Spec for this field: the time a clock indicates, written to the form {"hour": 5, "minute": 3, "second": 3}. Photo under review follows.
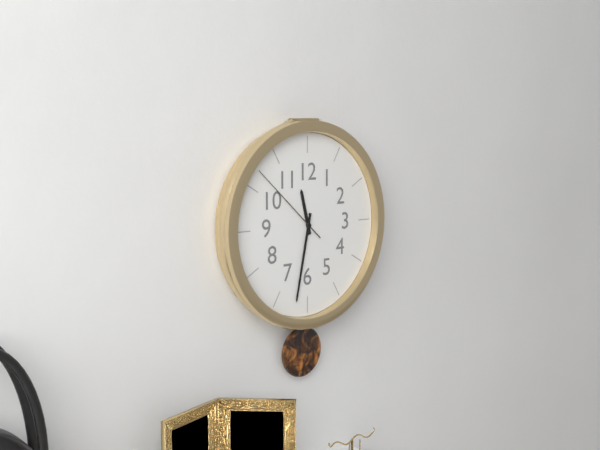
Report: {"hour": 11, "minute": 32, "second": 52}
